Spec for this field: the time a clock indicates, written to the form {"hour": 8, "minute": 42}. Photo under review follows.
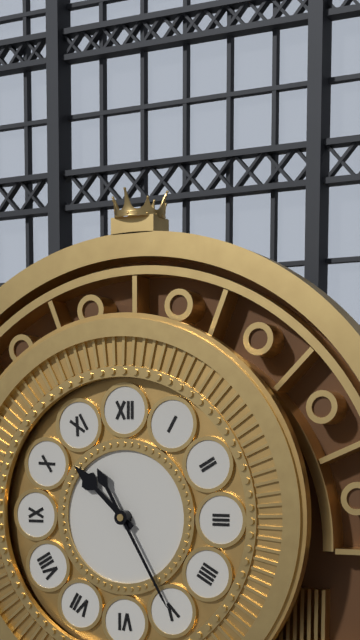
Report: {"hour": 10, "minute": 25}
